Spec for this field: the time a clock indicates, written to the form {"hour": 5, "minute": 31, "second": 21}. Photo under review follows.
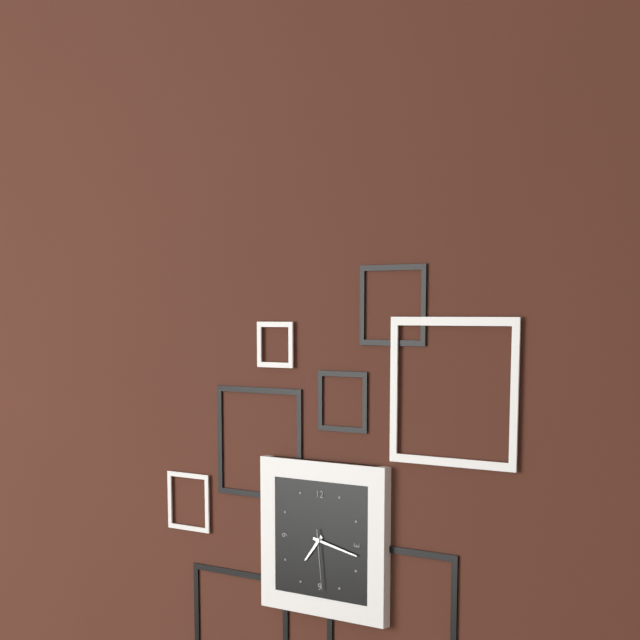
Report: {"hour": 7, "minute": 17, "second": 29}
